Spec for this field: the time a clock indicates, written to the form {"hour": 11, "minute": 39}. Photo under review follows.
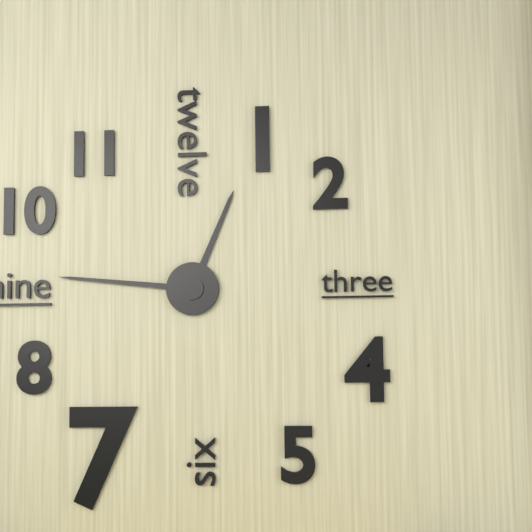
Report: {"hour": 12, "minute": 46}
